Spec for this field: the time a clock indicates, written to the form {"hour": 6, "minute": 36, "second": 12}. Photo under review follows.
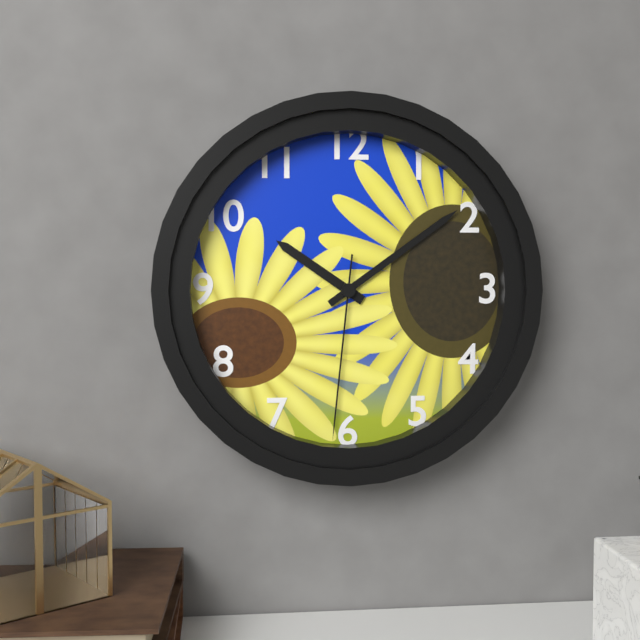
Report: {"hour": 10, "minute": 9, "second": 31}
